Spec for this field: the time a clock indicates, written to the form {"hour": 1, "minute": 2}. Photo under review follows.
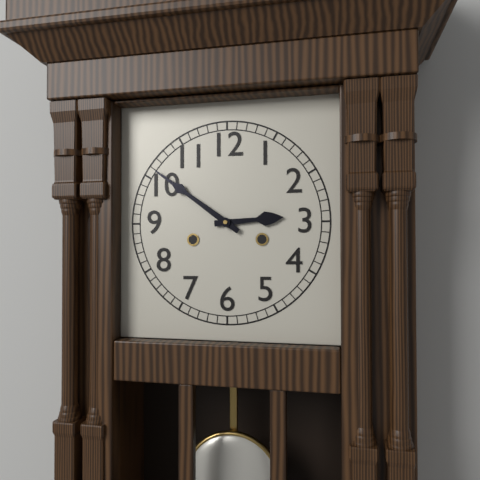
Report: {"hour": 2, "minute": 51}
